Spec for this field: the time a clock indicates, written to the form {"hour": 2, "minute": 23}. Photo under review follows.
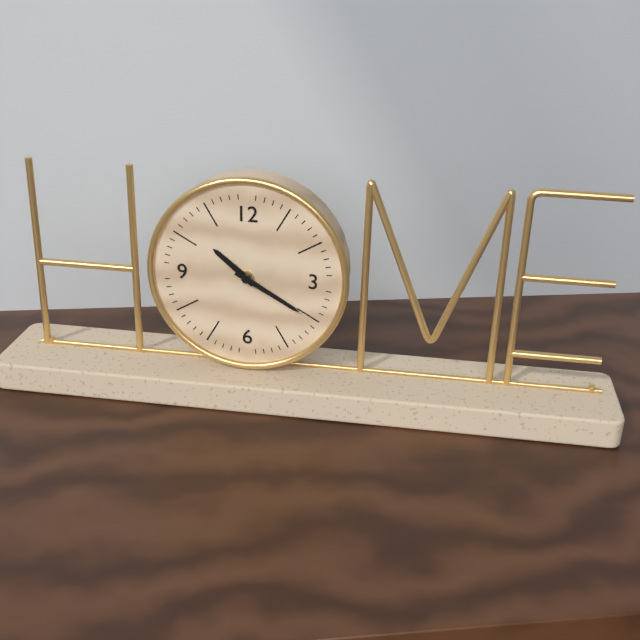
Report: {"hour": 10, "minute": 20}
